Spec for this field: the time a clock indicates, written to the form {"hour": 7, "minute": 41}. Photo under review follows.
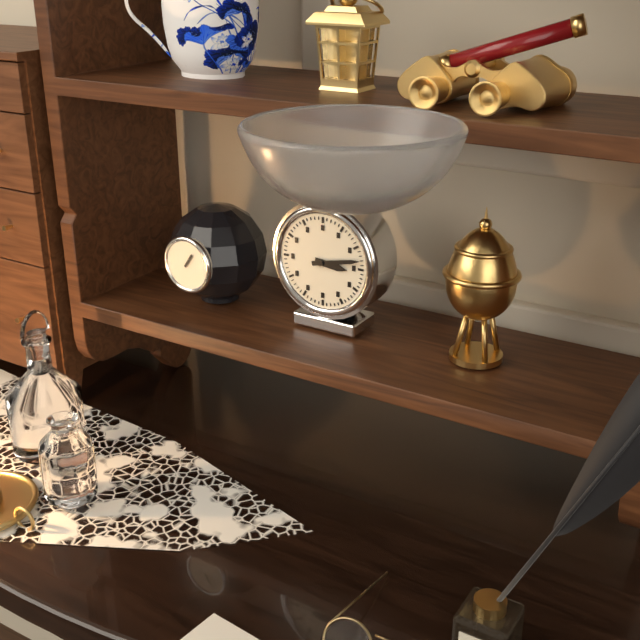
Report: {"hour": 3, "minute": 13}
